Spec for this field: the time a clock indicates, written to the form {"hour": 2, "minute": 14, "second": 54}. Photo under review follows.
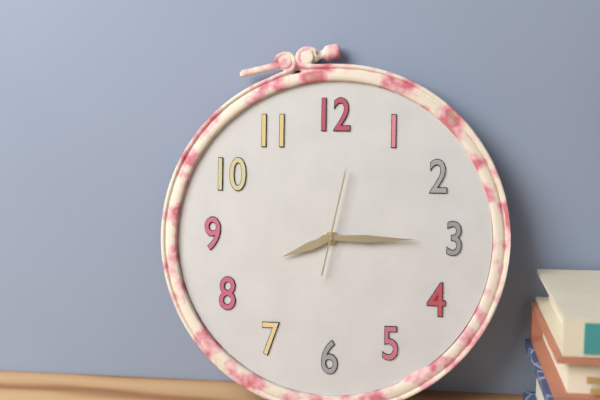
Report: {"hour": 8, "minute": 15, "second": 2}
